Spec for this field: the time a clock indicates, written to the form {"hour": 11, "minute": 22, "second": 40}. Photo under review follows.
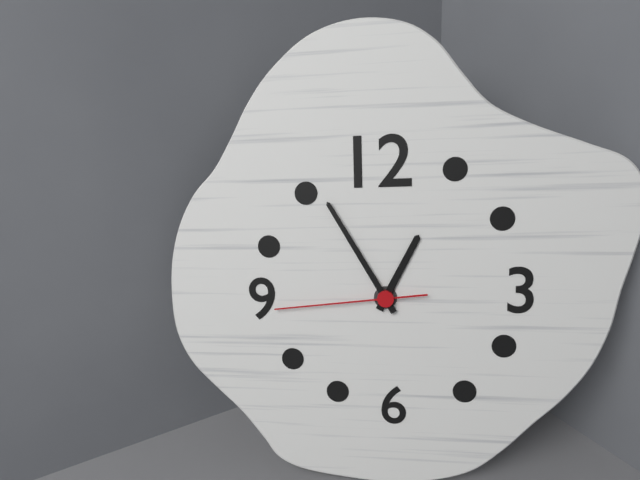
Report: {"hour": 12, "minute": 55, "second": 44}
